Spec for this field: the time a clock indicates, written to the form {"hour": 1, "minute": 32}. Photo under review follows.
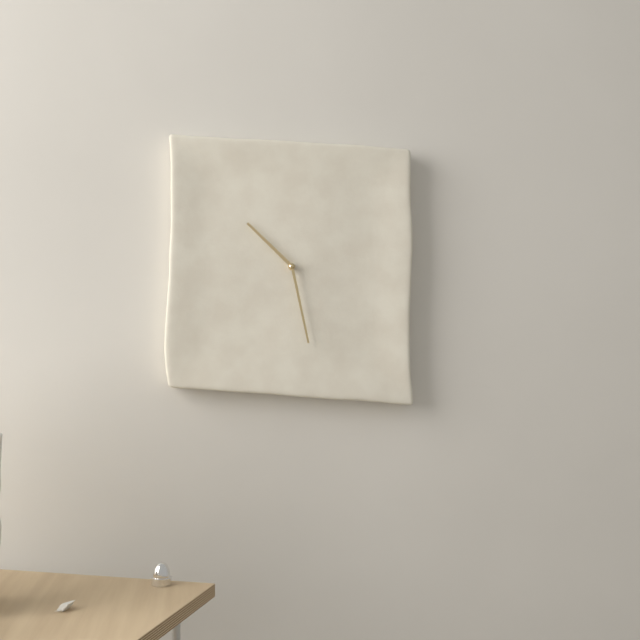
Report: {"hour": 10, "minute": 28}
